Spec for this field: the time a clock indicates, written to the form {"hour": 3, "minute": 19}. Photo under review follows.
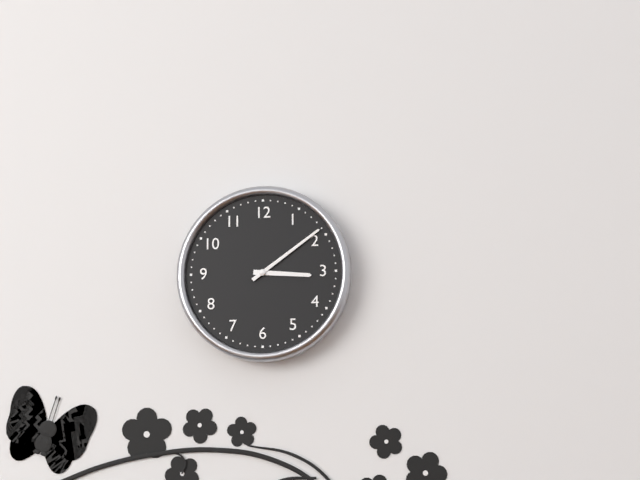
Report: {"hour": 3, "minute": 9}
